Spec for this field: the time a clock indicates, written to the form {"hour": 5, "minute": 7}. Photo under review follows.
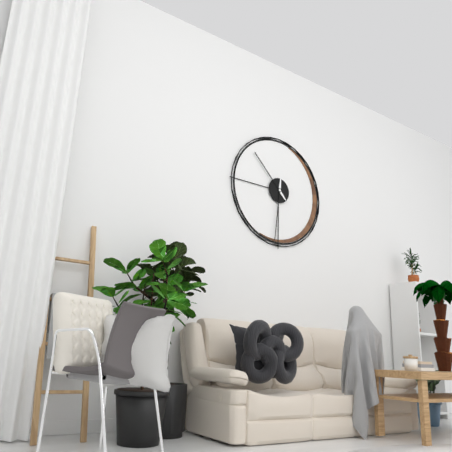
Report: {"hour": 10, "minute": 31}
